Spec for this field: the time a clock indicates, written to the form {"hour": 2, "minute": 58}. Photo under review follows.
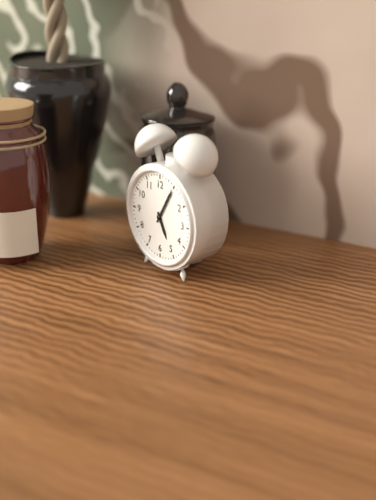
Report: {"hour": 5, "minute": 5}
